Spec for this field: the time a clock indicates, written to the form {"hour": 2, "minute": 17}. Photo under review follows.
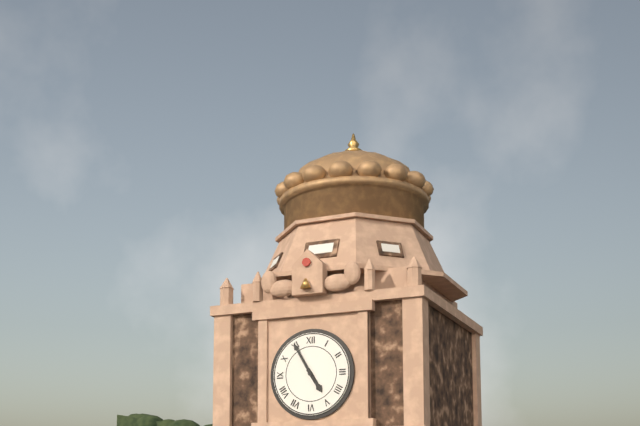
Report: {"hour": 4, "minute": 55}
